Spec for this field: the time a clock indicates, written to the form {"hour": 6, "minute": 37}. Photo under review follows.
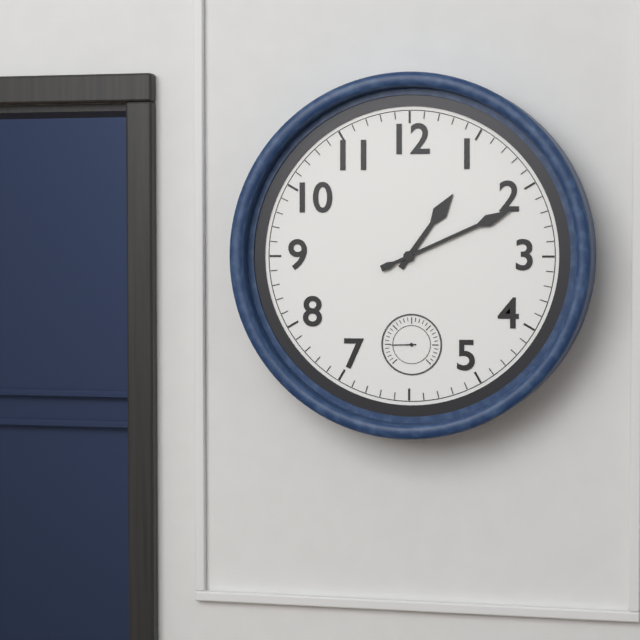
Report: {"hour": 1, "minute": 11}
